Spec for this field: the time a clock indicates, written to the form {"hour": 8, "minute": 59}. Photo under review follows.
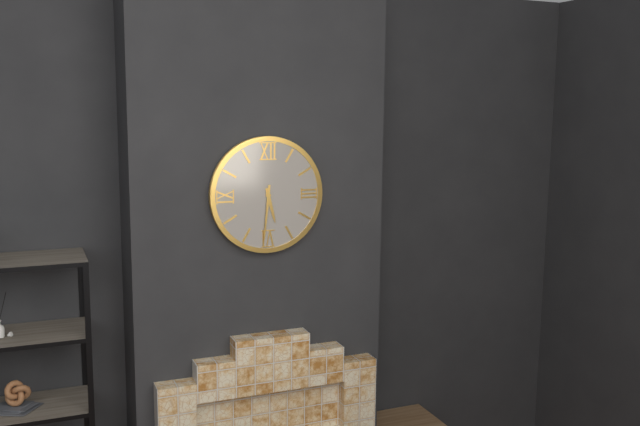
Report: {"hour": 5, "minute": 31}
